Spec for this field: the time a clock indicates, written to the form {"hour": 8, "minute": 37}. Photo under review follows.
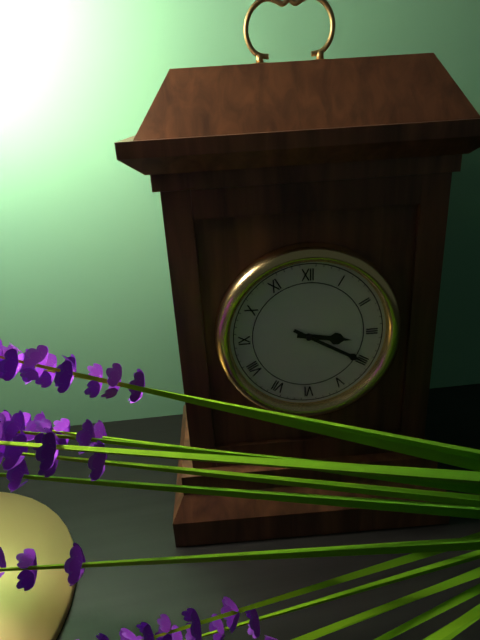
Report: {"hour": 3, "minute": 20}
